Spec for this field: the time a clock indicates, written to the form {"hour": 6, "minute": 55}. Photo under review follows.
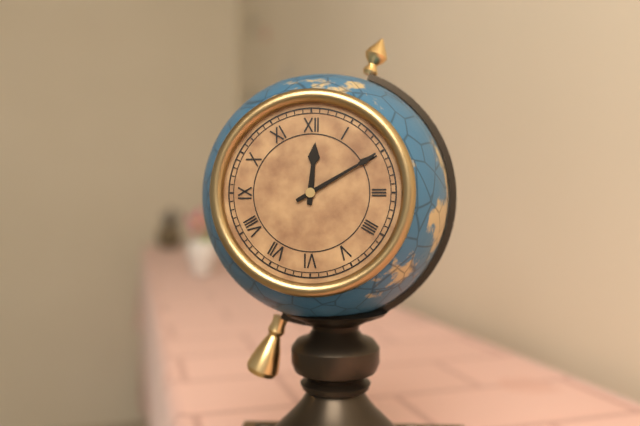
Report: {"hour": 12, "minute": 10}
